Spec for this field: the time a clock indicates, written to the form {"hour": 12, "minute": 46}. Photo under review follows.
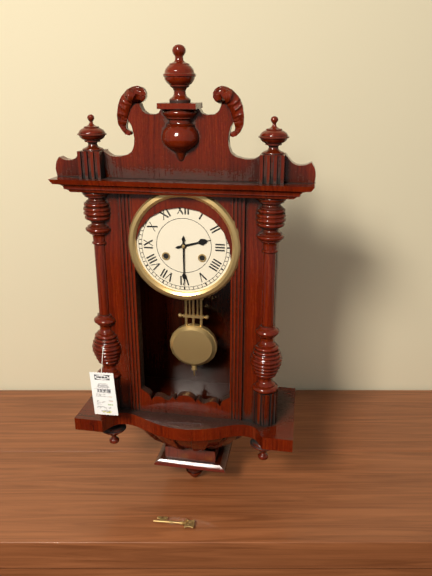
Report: {"hour": 2, "minute": 30}
